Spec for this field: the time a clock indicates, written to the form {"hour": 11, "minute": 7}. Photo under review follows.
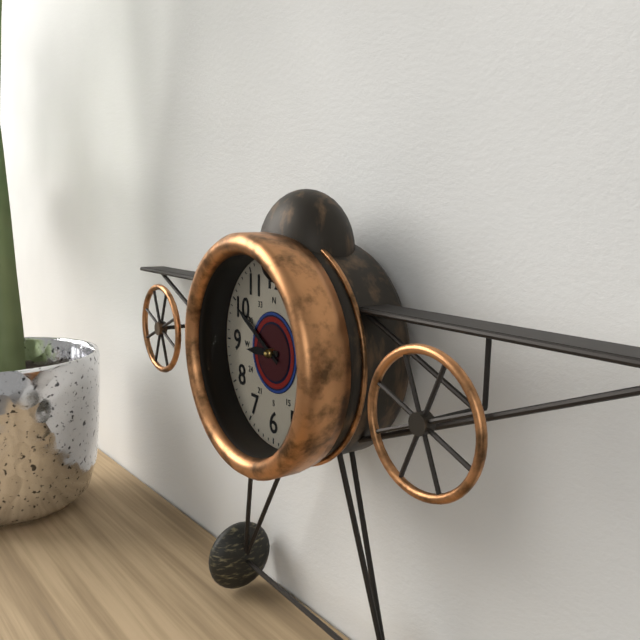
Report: {"hour": 8, "minute": 50}
